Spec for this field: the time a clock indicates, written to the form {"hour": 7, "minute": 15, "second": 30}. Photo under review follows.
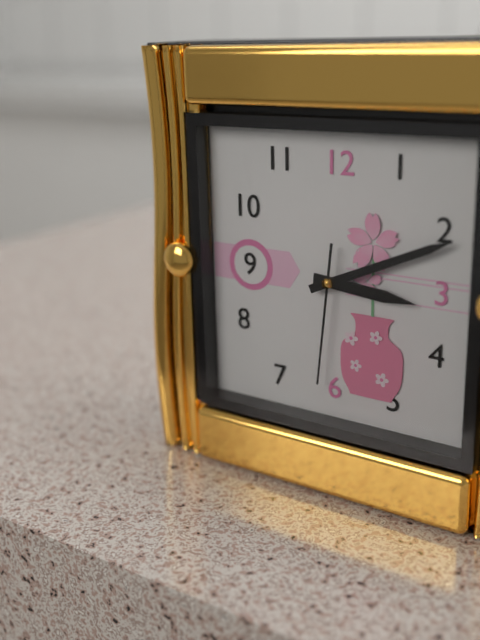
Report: {"hour": 3, "minute": 11, "second": 31}
